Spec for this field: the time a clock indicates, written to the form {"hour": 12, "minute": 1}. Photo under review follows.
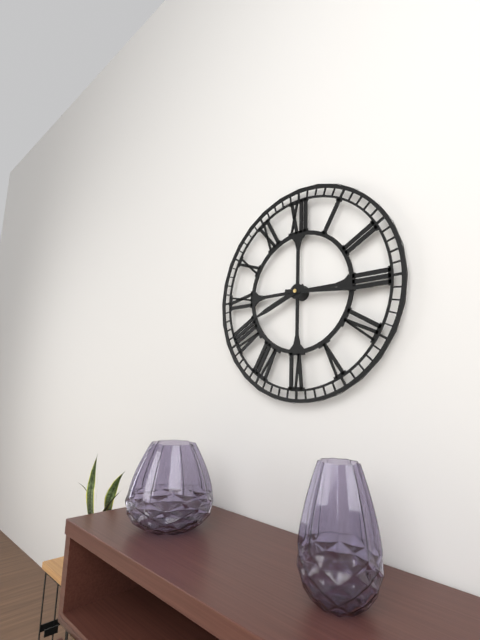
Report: {"hour": 8, "minute": 16}
